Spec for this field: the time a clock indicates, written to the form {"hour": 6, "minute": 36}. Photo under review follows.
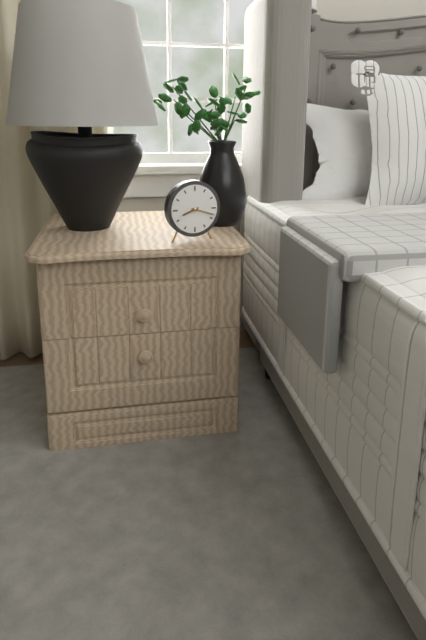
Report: {"hour": 8, "minute": 18}
